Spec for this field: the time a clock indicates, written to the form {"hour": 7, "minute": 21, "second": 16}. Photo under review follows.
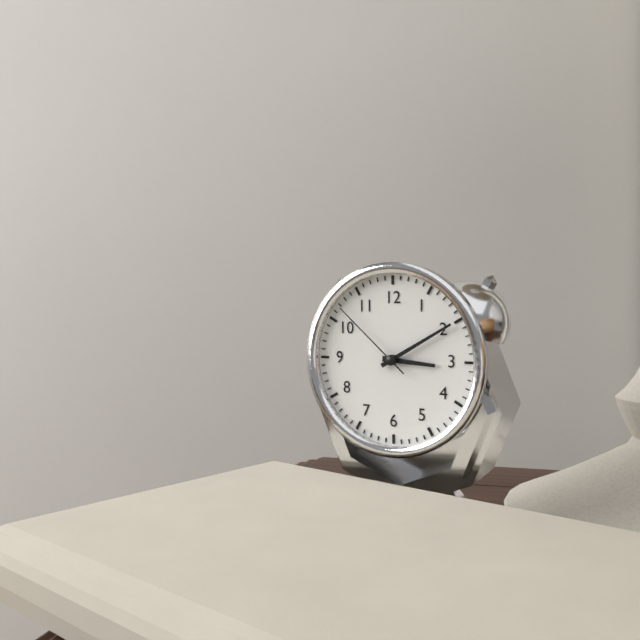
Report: {"hour": 3, "minute": 10, "second": 52}
